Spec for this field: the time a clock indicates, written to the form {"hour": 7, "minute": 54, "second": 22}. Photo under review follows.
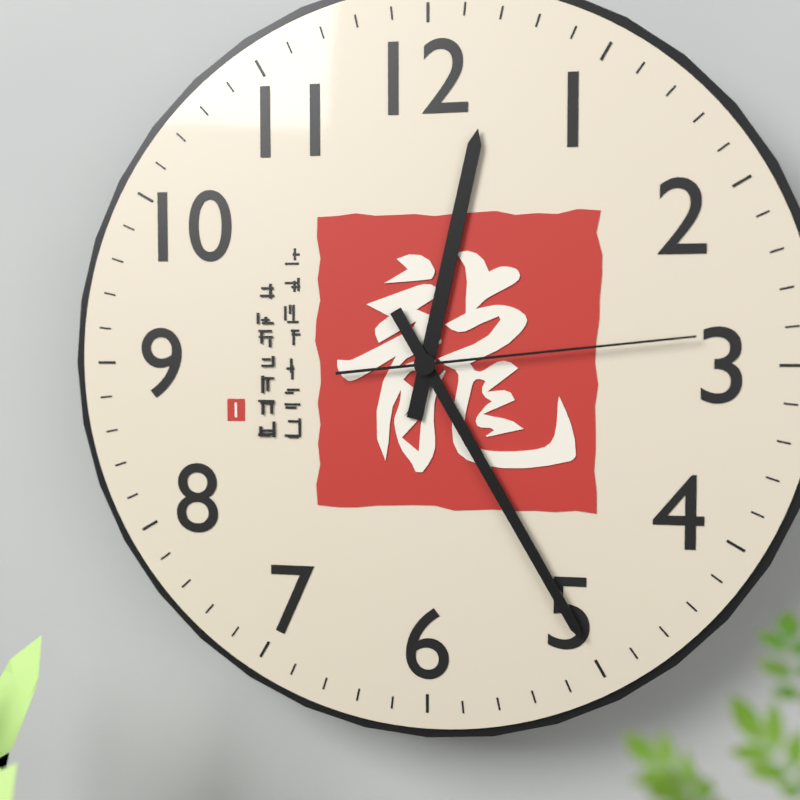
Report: {"hour": 12, "minute": 25, "second": 14}
